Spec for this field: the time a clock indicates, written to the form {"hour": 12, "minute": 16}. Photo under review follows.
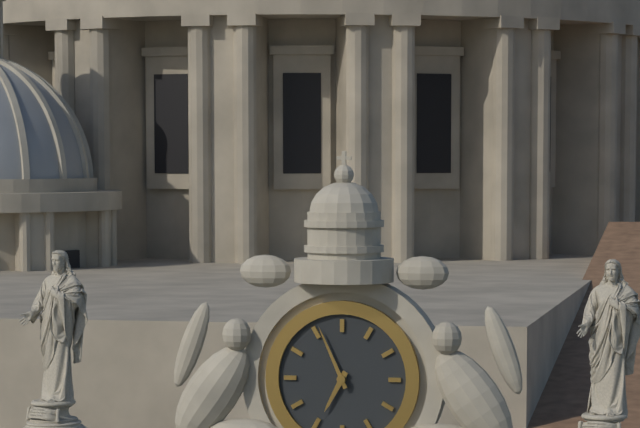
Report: {"hour": 6, "minute": 56}
